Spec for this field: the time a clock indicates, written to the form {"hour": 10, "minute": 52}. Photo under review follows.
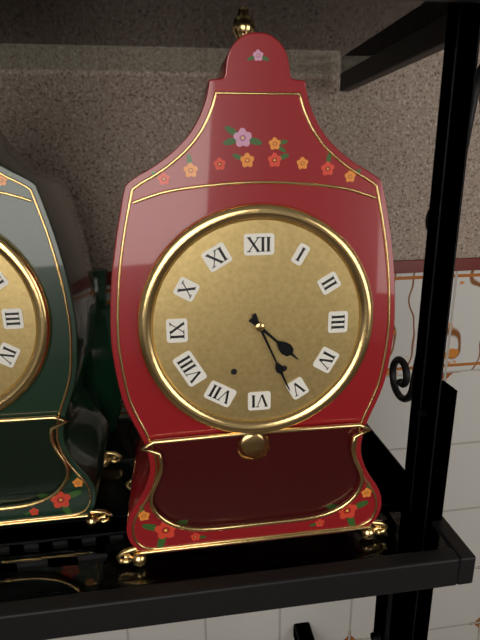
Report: {"hour": 4, "minute": 26}
